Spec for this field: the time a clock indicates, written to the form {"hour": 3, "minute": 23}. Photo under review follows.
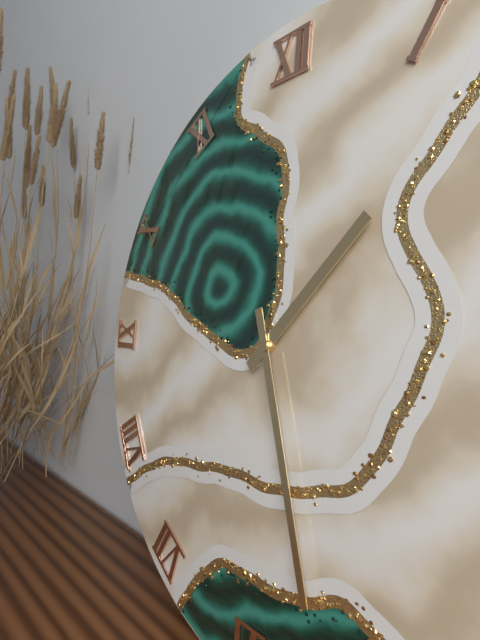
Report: {"hour": 1, "minute": 27}
